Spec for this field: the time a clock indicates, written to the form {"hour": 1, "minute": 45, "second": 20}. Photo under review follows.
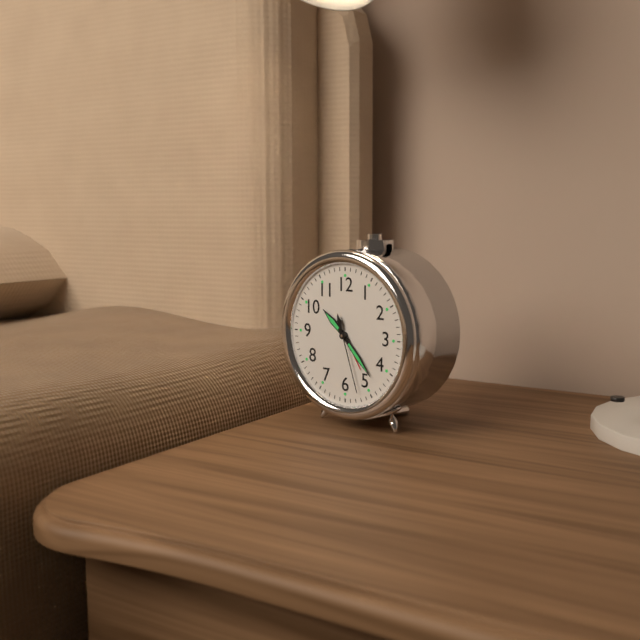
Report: {"hour": 10, "minute": 23, "second": 27}
